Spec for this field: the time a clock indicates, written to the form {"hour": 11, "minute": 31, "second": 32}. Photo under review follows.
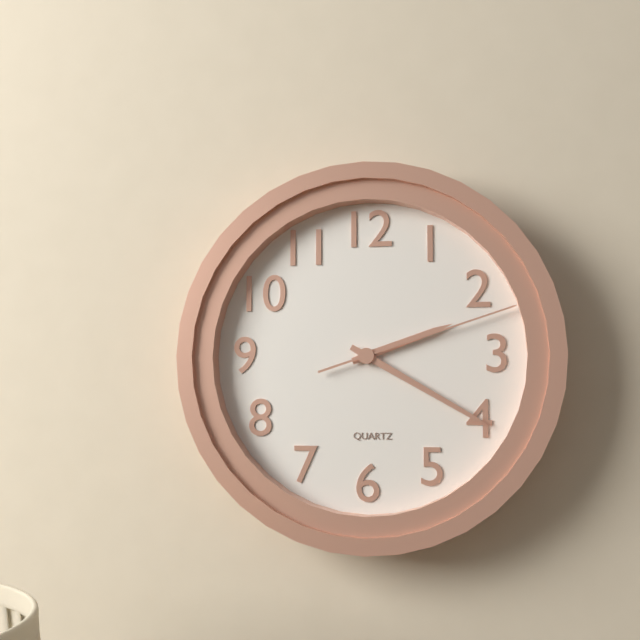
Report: {"hour": 2, "minute": 20, "second": 12}
